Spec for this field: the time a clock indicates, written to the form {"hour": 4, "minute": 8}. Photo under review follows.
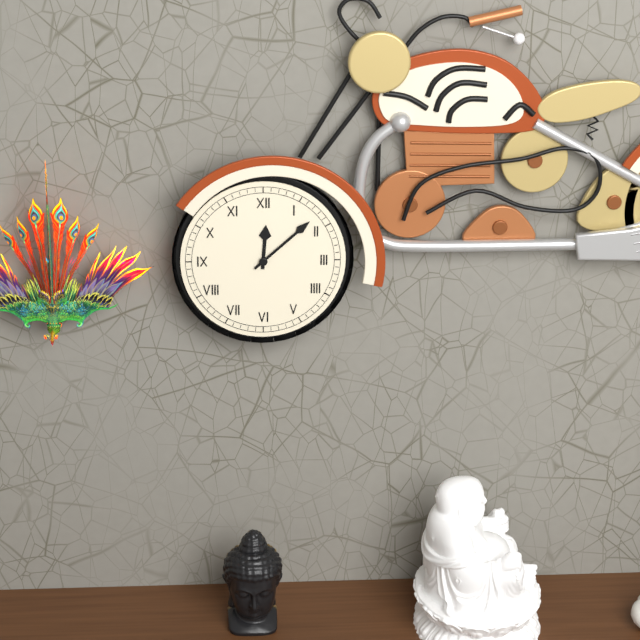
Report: {"hour": 12, "minute": 8}
